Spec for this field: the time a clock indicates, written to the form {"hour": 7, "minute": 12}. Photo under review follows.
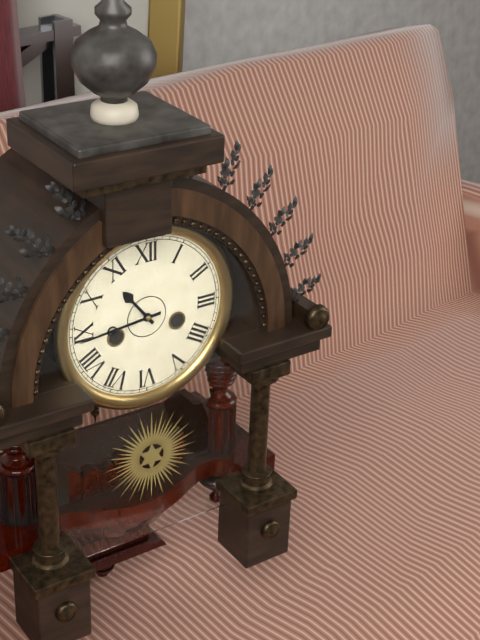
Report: {"hour": 10, "minute": 44}
